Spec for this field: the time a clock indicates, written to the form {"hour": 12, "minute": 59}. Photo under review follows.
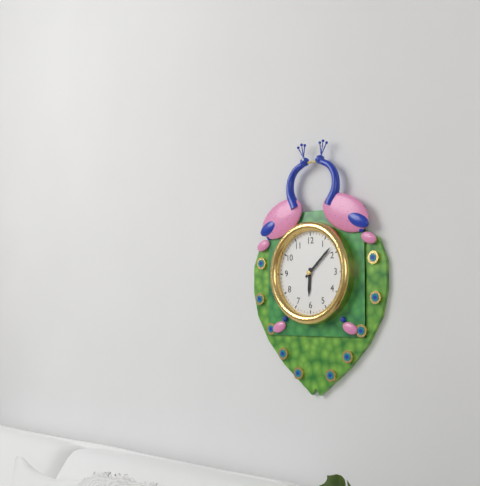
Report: {"hour": 6, "minute": 8}
